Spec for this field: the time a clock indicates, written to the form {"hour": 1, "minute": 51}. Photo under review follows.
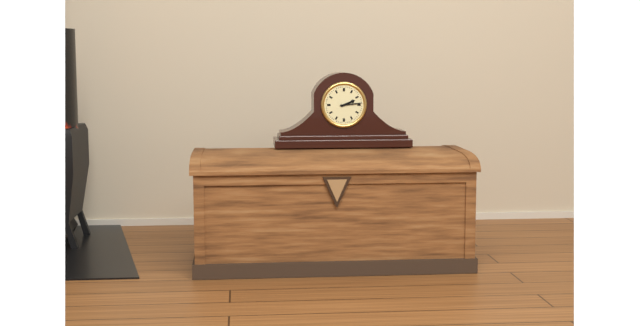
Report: {"hour": 2, "minute": 14}
